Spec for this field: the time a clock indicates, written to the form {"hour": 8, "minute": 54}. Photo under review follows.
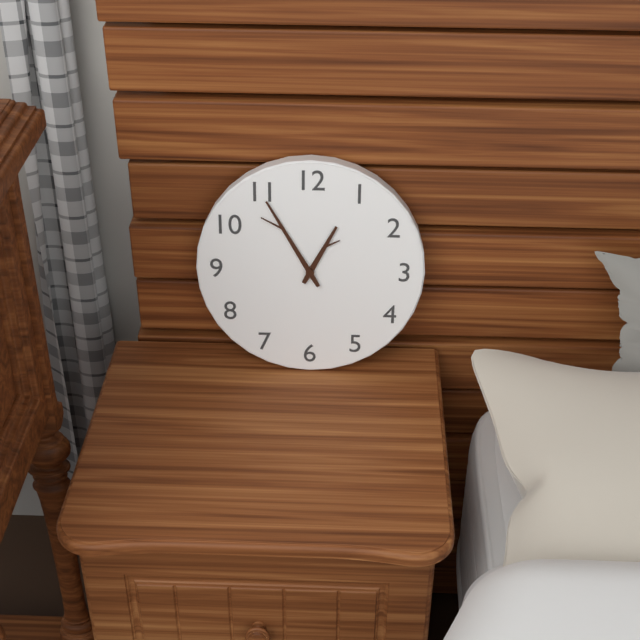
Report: {"hour": 12, "minute": 55}
